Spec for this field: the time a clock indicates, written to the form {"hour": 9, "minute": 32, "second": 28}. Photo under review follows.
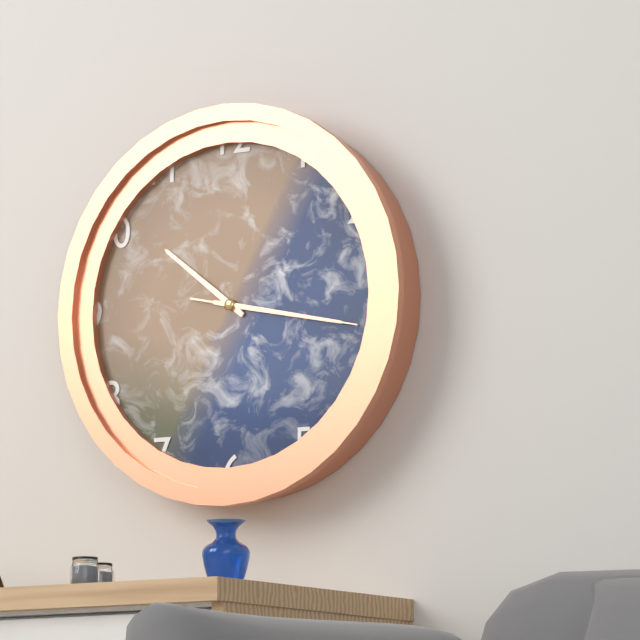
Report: {"hour": 10, "minute": 17, "second": 17}
